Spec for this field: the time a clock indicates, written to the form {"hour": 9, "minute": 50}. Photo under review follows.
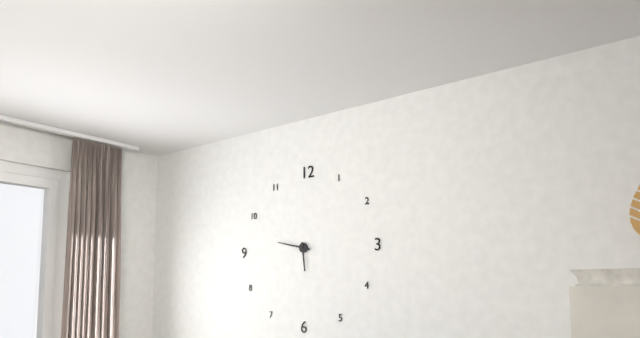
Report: {"hour": 5, "minute": 47}
